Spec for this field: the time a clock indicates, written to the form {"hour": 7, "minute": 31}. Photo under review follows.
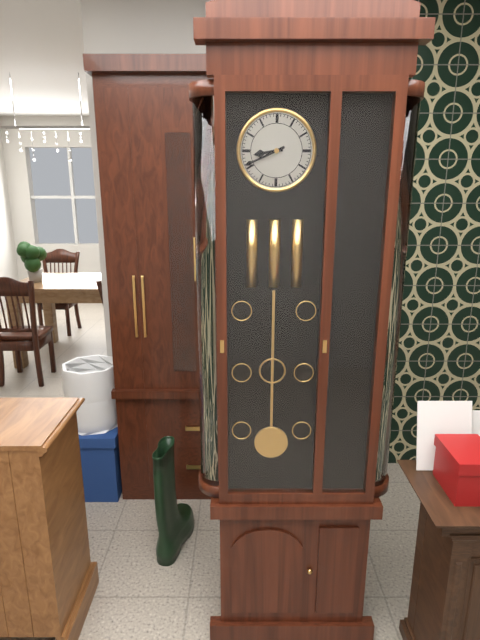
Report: {"hour": 8, "minute": 41}
